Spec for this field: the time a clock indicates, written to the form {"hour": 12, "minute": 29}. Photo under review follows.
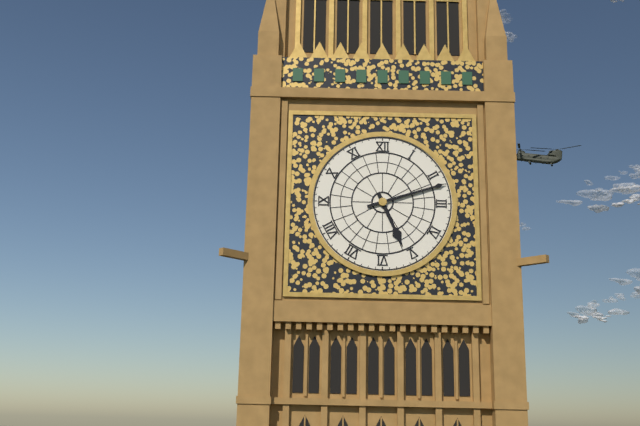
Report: {"hour": 5, "minute": 12}
